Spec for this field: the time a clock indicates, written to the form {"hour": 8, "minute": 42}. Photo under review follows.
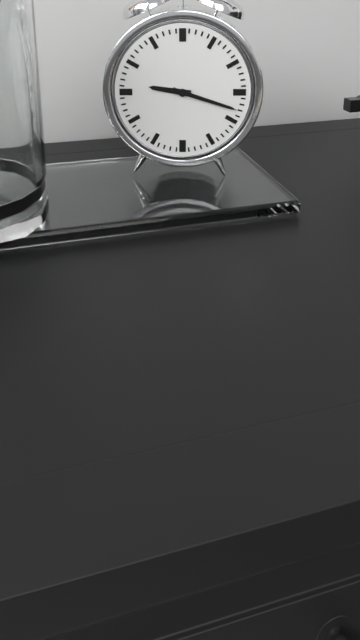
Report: {"hour": 9, "minute": 18}
